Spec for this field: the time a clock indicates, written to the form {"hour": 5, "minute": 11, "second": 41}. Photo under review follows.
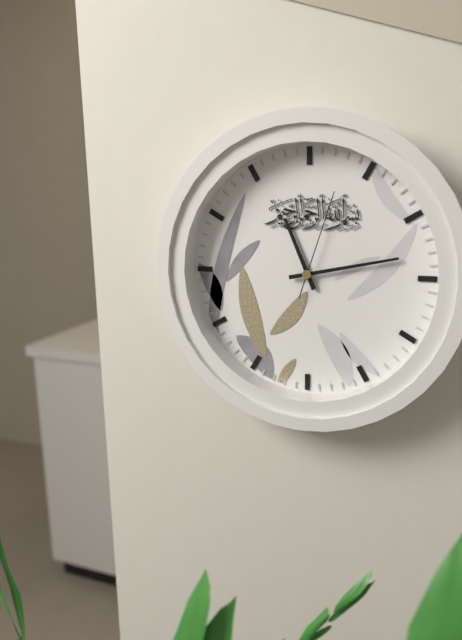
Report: {"hour": 11, "minute": 13, "second": 3}
